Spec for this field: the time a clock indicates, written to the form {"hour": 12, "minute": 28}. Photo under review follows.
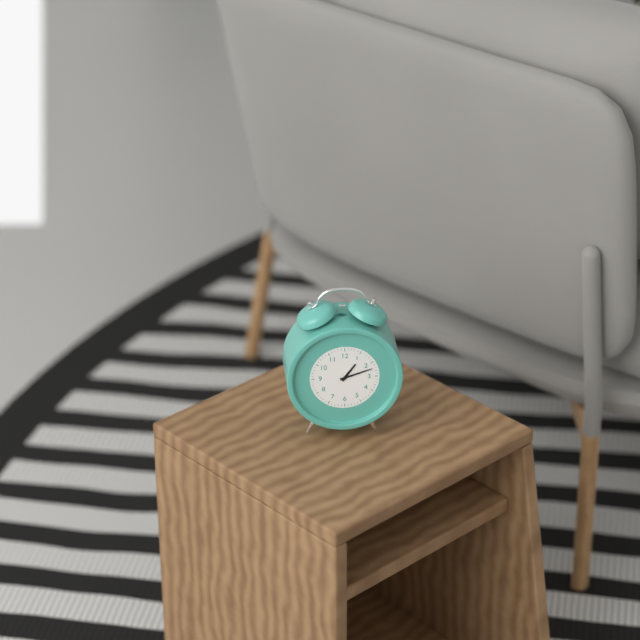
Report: {"hour": 1, "minute": 12}
